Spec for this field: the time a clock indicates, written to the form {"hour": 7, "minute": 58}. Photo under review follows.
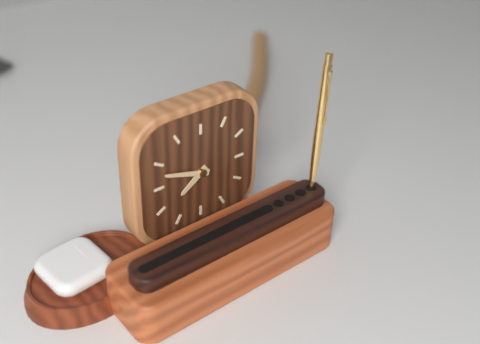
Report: {"hour": 7, "minute": 48}
